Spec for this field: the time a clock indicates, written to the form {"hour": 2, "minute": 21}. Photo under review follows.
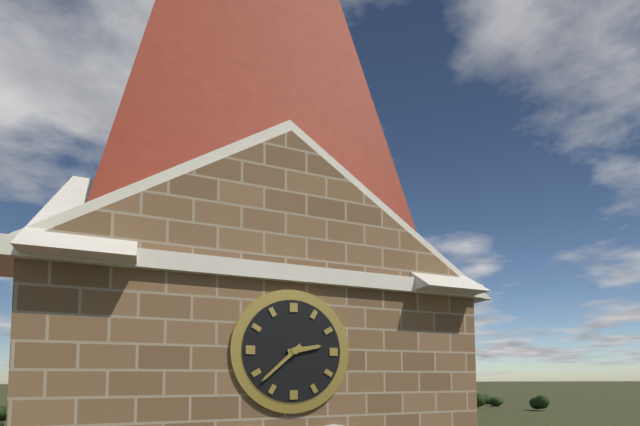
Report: {"hour": 2, "minute": 38}
